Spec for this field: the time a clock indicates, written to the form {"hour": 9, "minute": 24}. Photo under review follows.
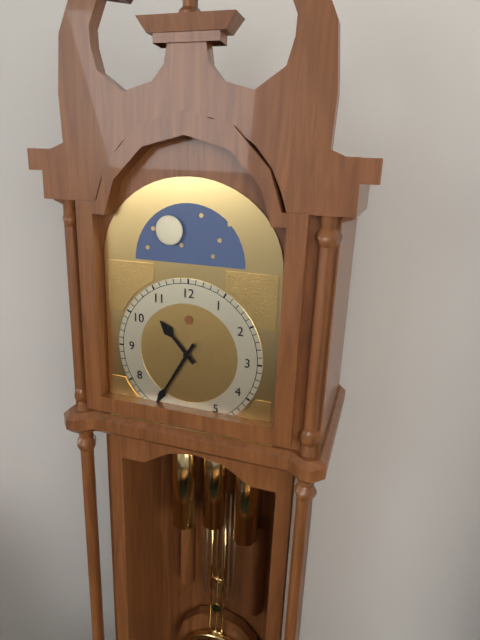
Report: {"hour": 10, "minute": 35}
